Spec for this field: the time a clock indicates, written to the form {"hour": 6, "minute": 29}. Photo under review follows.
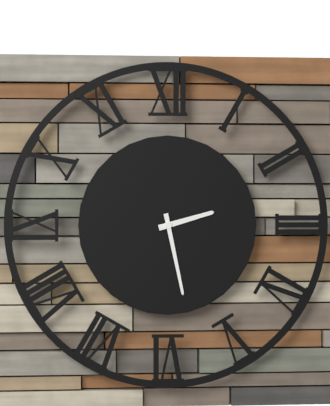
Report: {"hour": 2, "minute": 28}
